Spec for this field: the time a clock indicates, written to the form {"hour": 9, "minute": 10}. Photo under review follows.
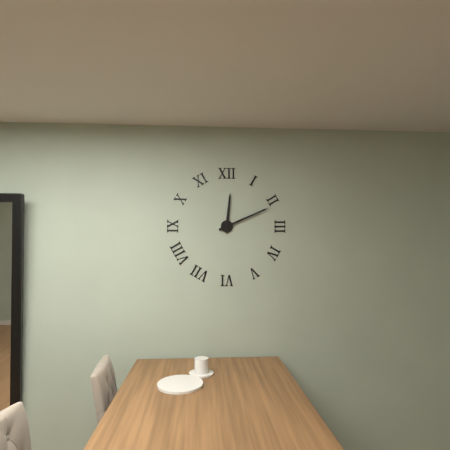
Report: {"hour": 12, "minute": 11}
